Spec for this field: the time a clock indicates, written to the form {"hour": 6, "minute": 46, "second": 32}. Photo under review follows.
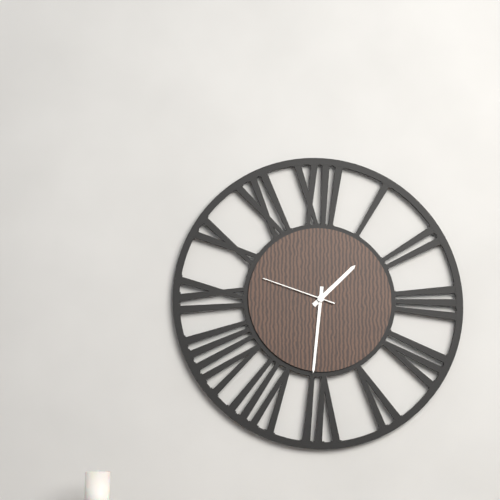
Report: {"hour": 1, "minute": 31, "second": 48}
